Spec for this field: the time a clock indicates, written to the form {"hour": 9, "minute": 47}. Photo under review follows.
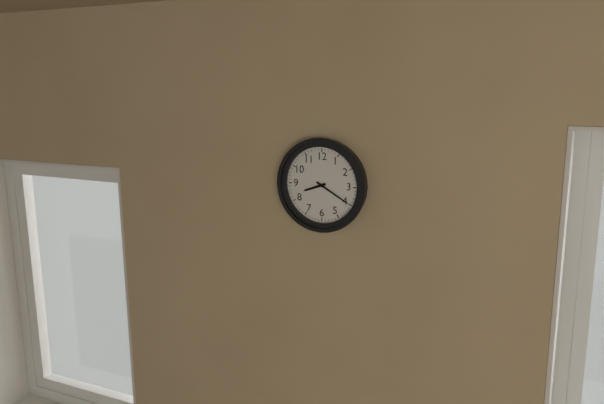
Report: {"hour": 8, "minute": 20}
